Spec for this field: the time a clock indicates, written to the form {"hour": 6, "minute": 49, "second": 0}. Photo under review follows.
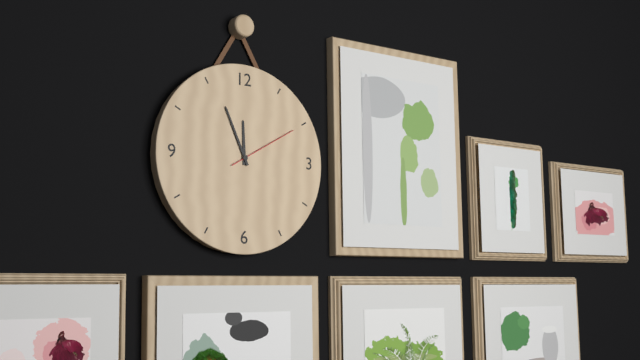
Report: {"hour": 11, "minute": 56, "second": 10}
